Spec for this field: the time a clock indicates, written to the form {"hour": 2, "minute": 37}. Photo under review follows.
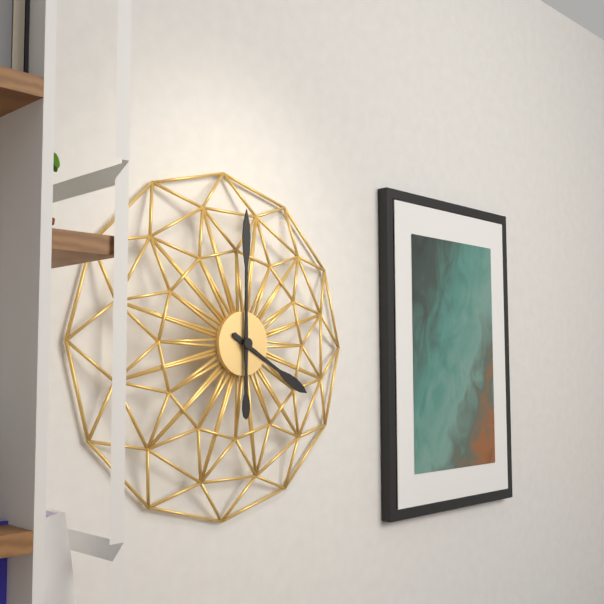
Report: {"hour": 4, "minute": 0}
